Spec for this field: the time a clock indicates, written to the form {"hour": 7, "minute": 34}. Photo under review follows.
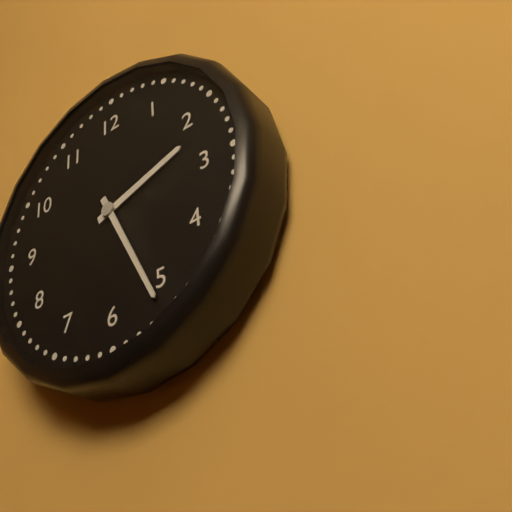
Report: {"hour": 2, "minute": 26}
